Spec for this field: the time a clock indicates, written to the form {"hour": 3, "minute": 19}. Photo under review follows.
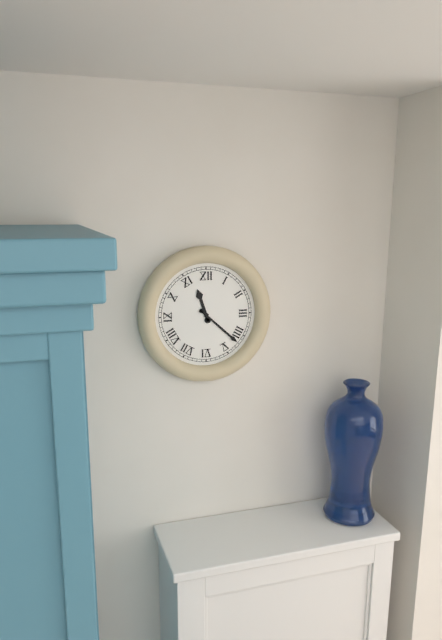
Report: {"hour": 11, "minute": 22}
